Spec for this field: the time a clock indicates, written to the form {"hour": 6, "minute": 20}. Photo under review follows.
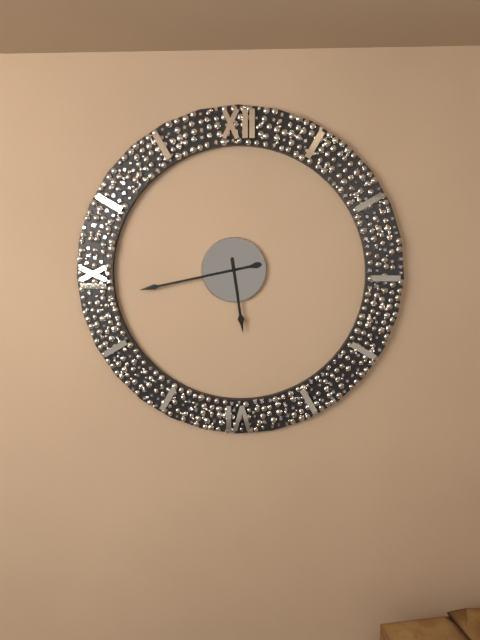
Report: {"hour": 5, "minute": 43}
